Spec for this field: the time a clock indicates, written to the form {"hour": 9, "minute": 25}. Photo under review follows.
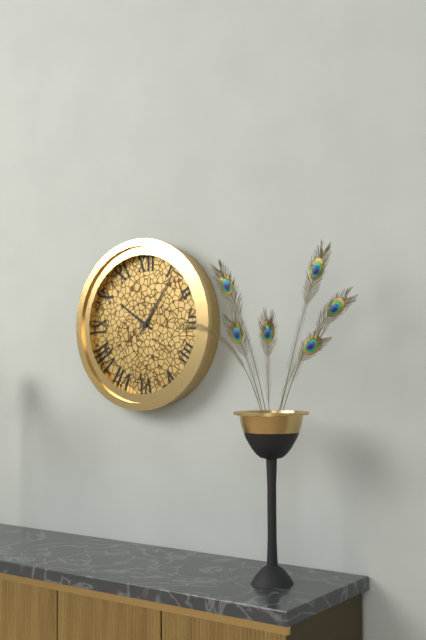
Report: {"hour": 10, "minute": 6}
